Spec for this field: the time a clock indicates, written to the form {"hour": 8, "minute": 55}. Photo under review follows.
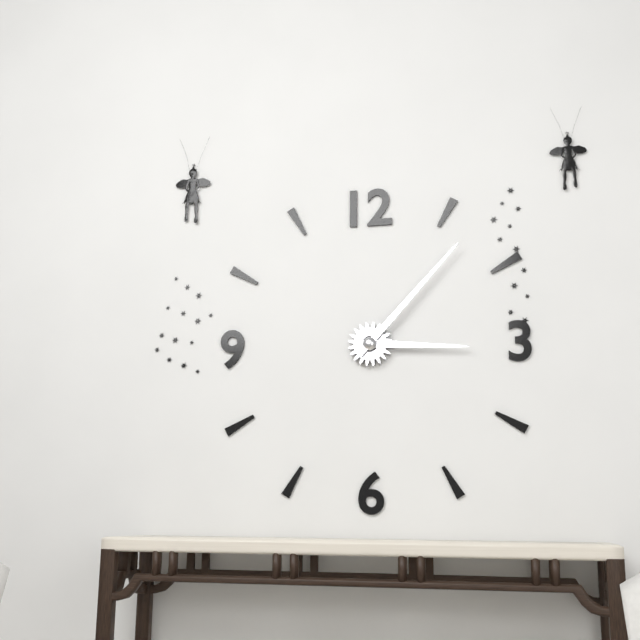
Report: {"hour": 3, "minute": 7}
